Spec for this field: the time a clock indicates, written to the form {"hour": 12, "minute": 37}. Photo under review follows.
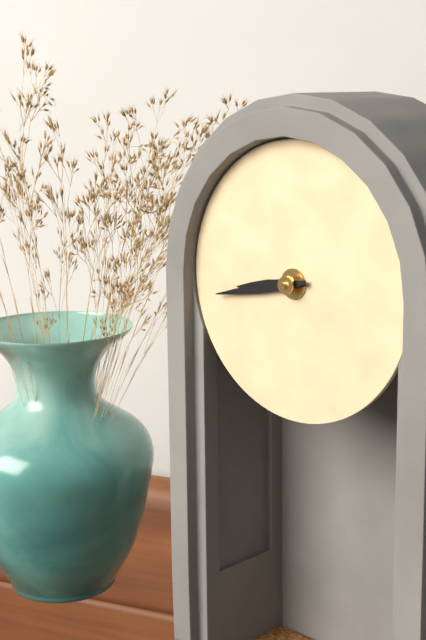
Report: {"hour": 8, "minute": 43}
